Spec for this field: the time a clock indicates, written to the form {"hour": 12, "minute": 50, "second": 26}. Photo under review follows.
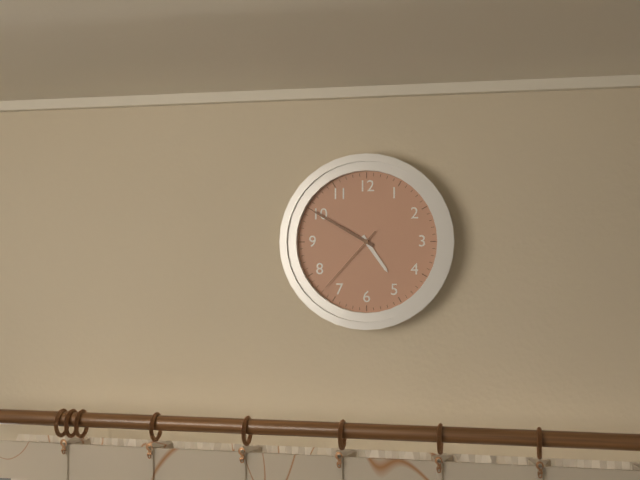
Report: {"hour": 4, "minute": 50, "second": 37}
